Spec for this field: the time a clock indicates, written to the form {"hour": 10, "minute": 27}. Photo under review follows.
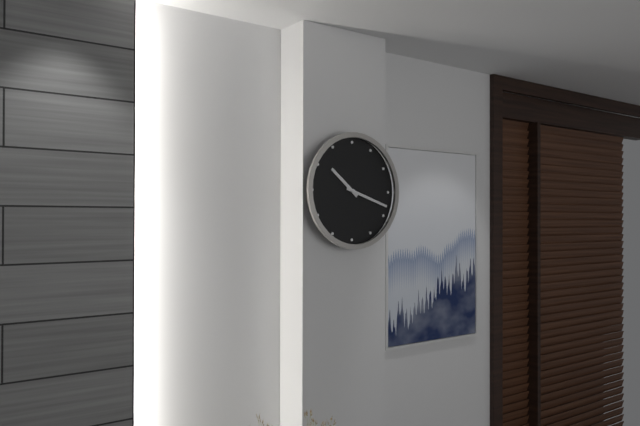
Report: {"hour": 10, "minute": 18}
